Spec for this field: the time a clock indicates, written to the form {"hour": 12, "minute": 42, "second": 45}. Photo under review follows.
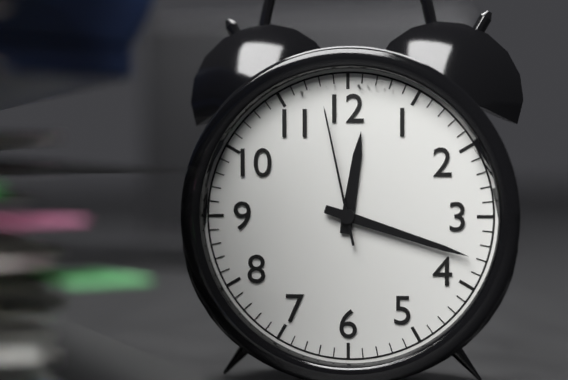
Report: {"hour": 12, "minute": 18, "second": 58}
